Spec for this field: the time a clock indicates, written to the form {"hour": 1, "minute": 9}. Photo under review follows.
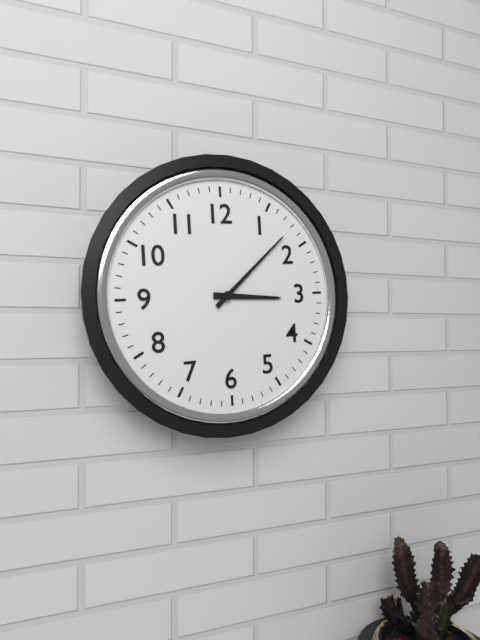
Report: {"hour": 3, "minute": 8}
